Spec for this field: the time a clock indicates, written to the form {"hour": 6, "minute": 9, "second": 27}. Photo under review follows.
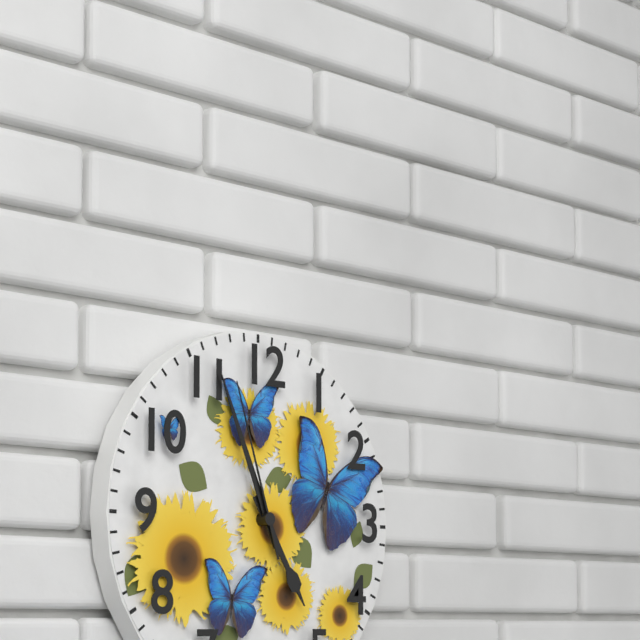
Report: {"hour": 4, "minute": 56, "second": 57}
